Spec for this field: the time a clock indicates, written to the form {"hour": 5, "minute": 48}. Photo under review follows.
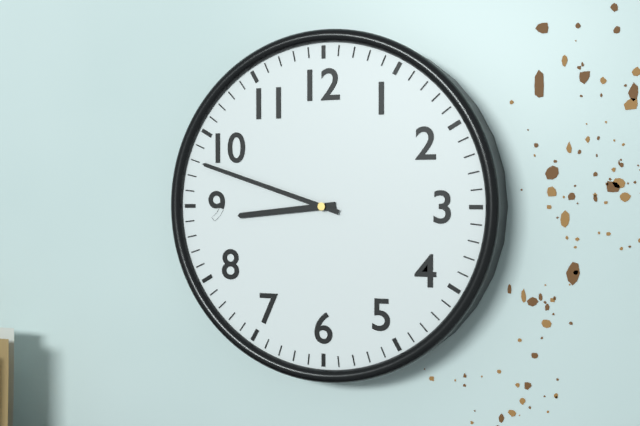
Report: {"hour": 8, "minute": 48}
